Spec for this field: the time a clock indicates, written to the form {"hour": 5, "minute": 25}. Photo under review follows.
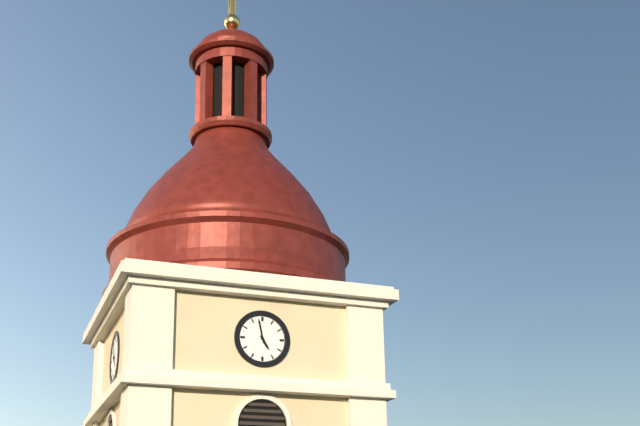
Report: {"hour": 4, "minute": 58}
